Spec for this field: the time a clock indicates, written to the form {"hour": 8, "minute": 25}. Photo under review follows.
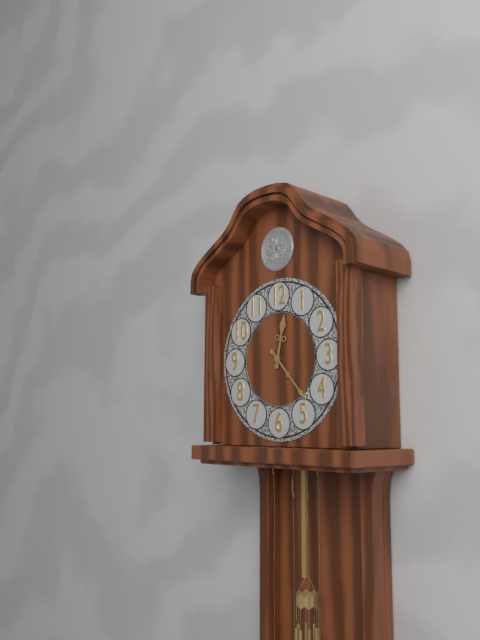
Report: {"hour": 12, "minute": 23}
